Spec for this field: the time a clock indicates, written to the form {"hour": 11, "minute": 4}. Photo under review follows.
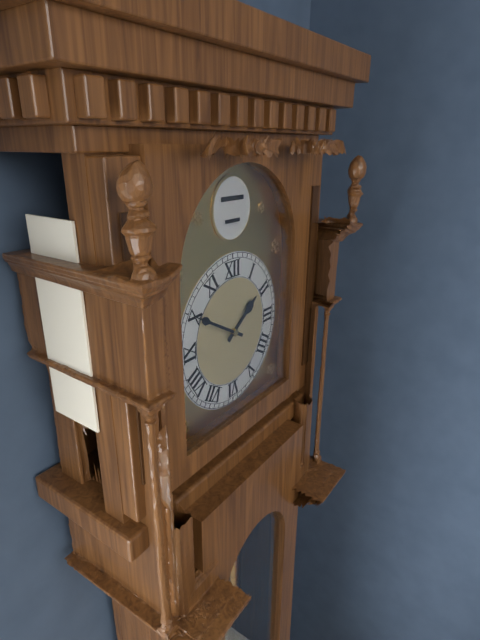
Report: {"hour": 1, "minute": 50}
